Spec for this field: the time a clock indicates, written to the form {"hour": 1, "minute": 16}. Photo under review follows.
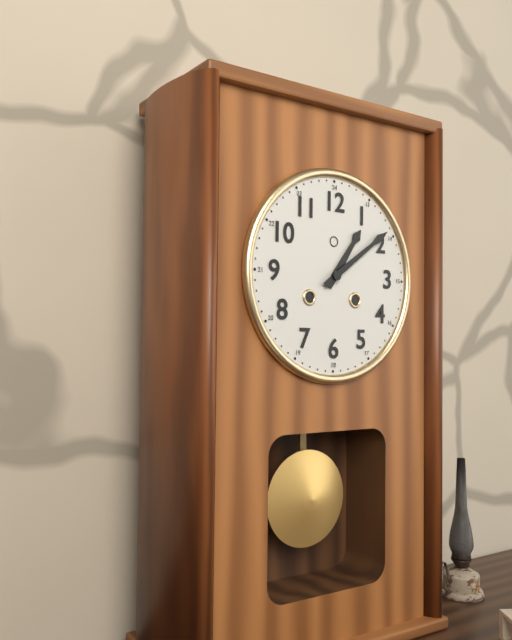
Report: {"hour": 1, "minute": 9}
